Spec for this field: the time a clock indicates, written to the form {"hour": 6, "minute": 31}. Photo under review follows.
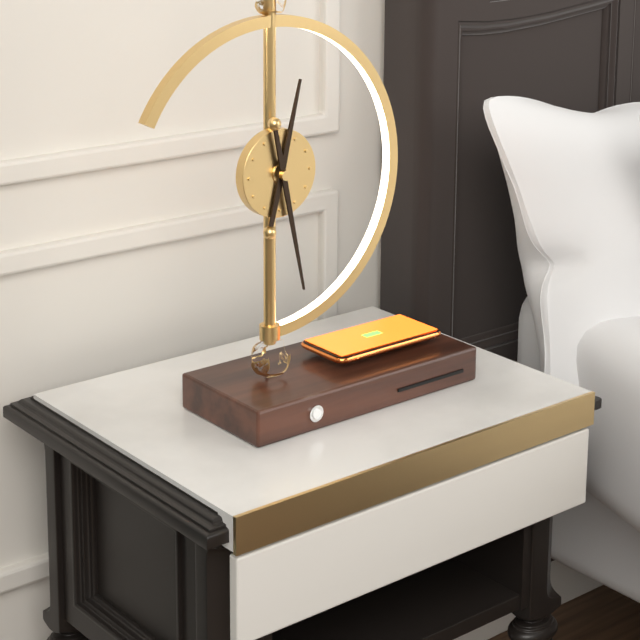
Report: {"hour": 12, "minute": 28}
